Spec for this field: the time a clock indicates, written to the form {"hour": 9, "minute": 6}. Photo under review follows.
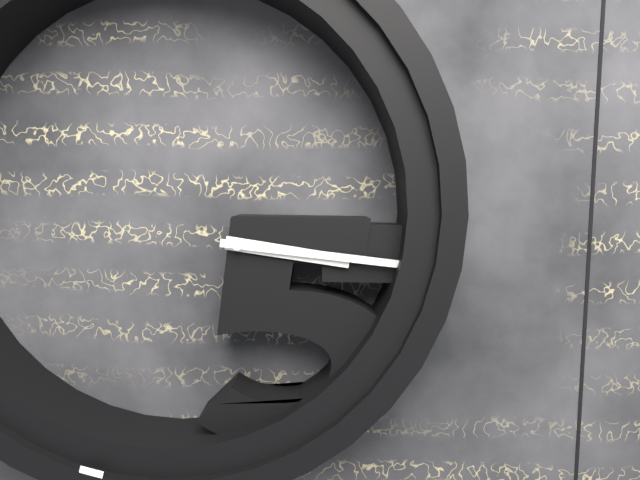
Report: {"hour": 3, "minute": 16}
